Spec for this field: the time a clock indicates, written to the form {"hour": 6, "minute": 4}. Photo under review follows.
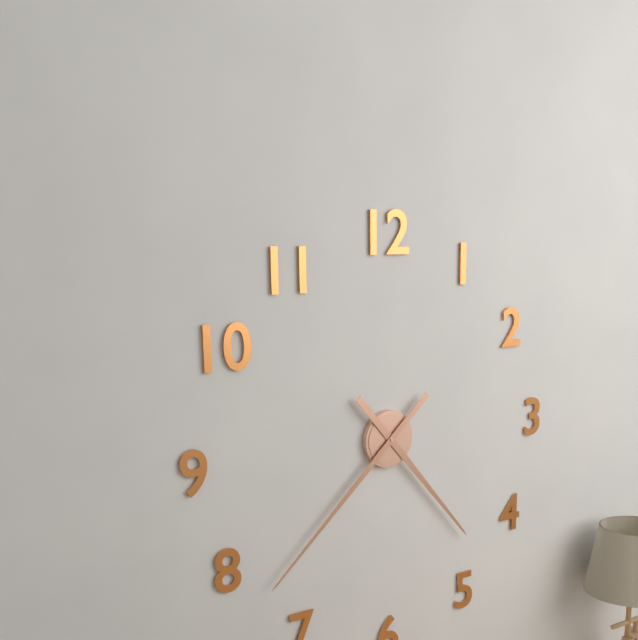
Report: {"hour": 4, "minute": 38}
